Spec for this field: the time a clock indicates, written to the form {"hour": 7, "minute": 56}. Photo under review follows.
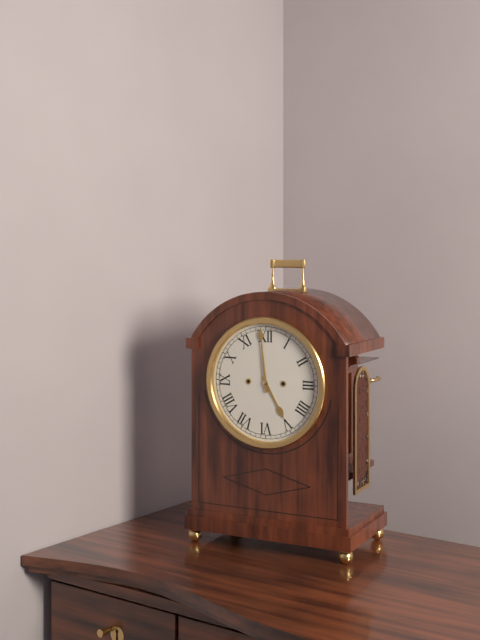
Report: {"hour": 4, "minute": 59}
